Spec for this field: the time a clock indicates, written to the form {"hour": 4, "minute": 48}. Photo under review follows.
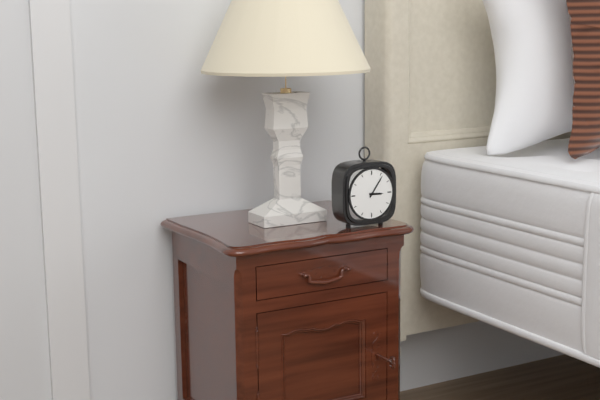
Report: {"hour": 3, "minute": 6}
